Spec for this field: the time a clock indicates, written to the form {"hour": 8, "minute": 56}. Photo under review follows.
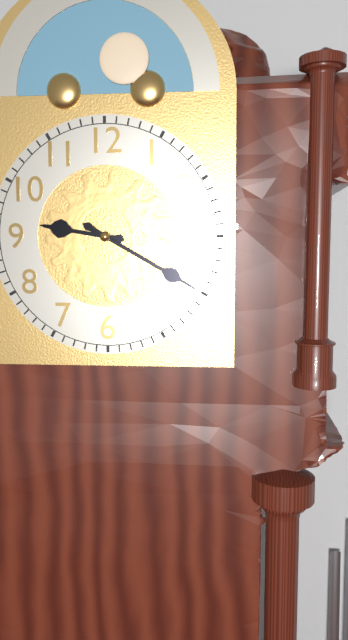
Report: {"hour": 9, "minute": 20}
